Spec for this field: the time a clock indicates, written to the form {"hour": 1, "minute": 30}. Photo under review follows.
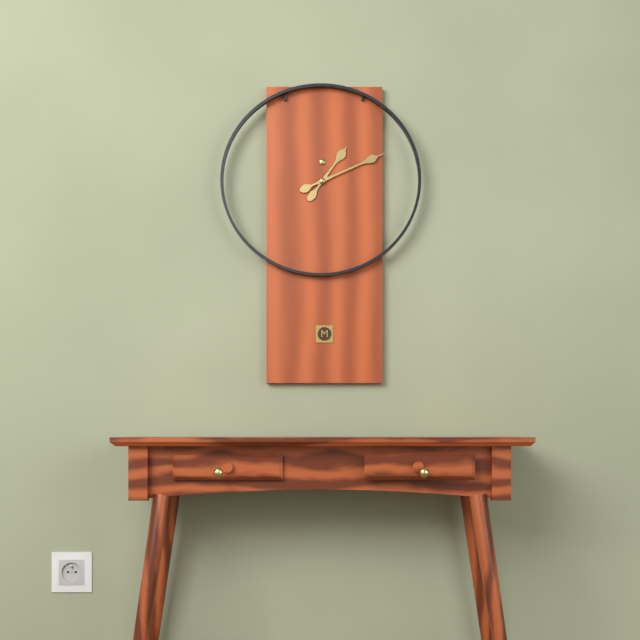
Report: {"hour": 1, "minute": 11}
